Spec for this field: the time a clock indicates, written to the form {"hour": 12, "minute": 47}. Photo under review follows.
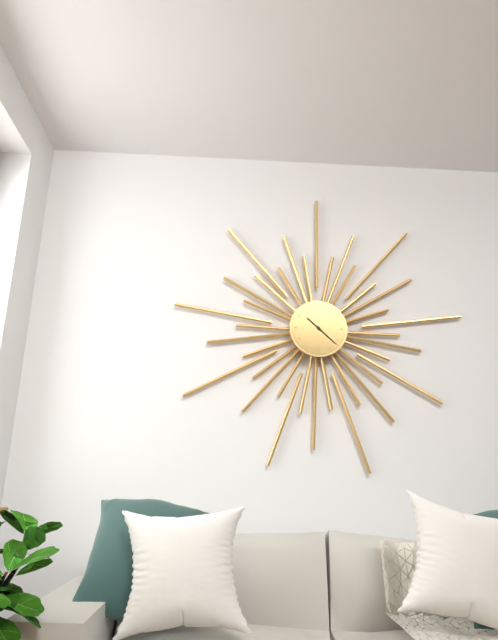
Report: {"hour": 10, "minute": 22}
